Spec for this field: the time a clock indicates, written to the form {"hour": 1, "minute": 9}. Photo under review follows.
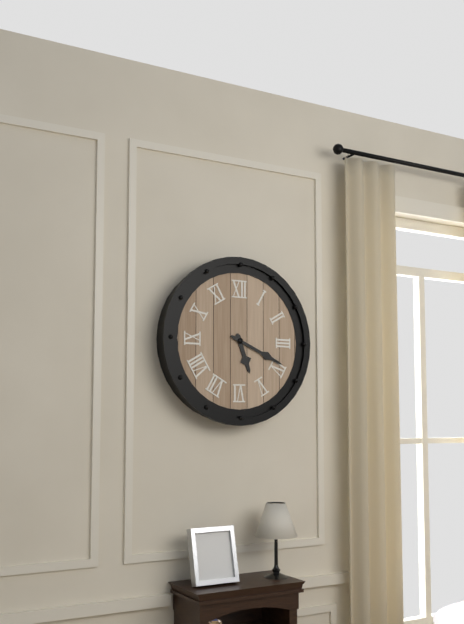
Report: {"hour": 5, "minute": 19}
